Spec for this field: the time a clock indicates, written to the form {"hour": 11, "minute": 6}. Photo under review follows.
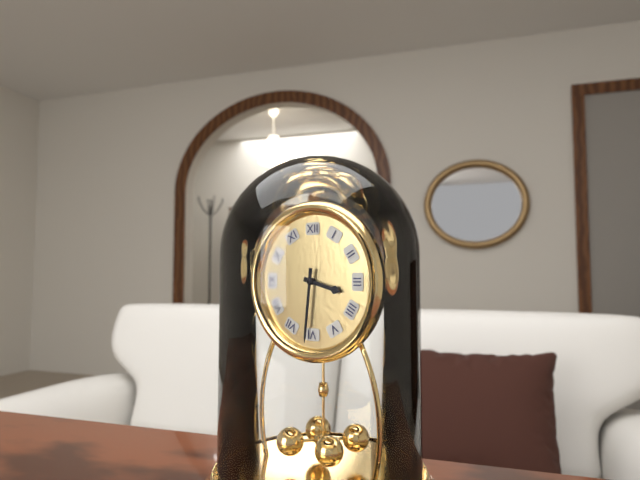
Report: {"hour": 3, "minute": 31}
